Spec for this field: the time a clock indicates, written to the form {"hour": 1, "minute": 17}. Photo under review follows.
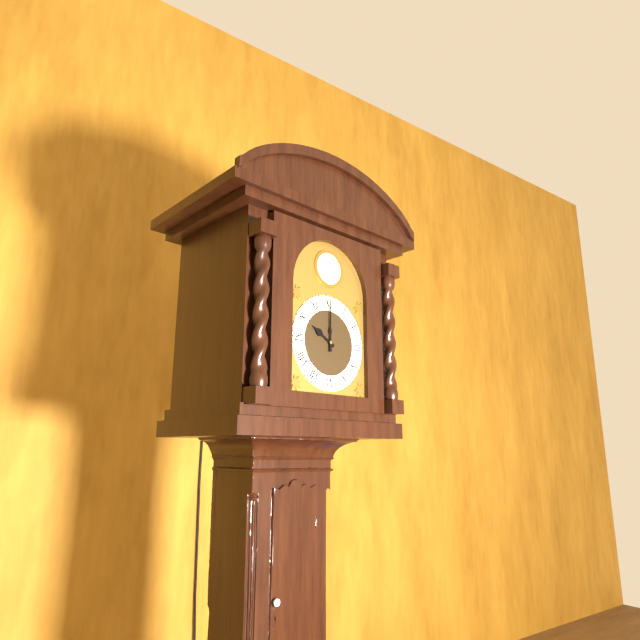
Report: {"hour": 10, "minute": 0}
